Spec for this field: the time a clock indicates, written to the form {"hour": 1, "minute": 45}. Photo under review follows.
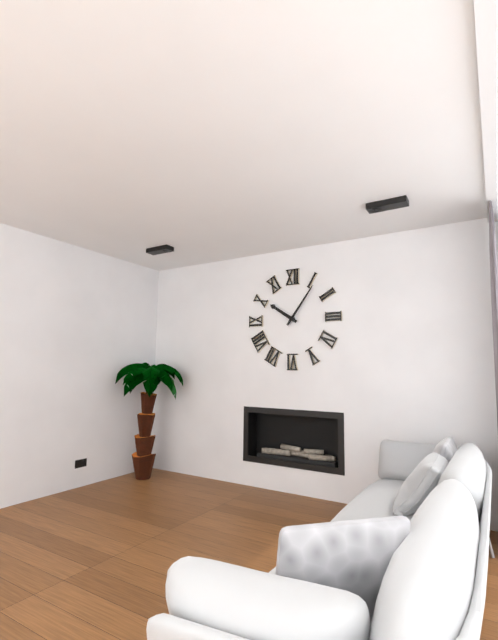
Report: {"hour": 10, "minute": 6}
